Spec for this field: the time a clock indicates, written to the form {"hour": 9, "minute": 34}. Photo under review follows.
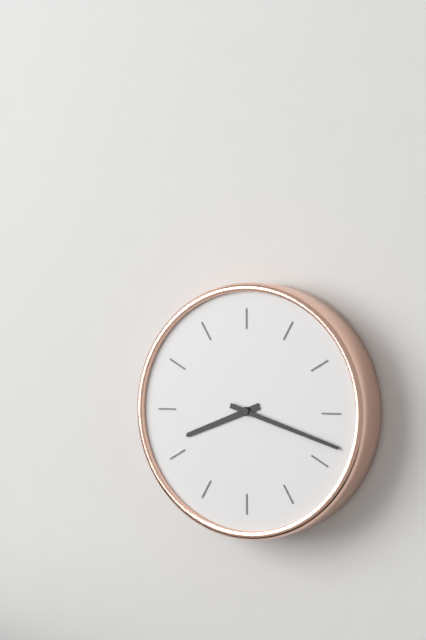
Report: {"hour": 8, "minute": 18}
